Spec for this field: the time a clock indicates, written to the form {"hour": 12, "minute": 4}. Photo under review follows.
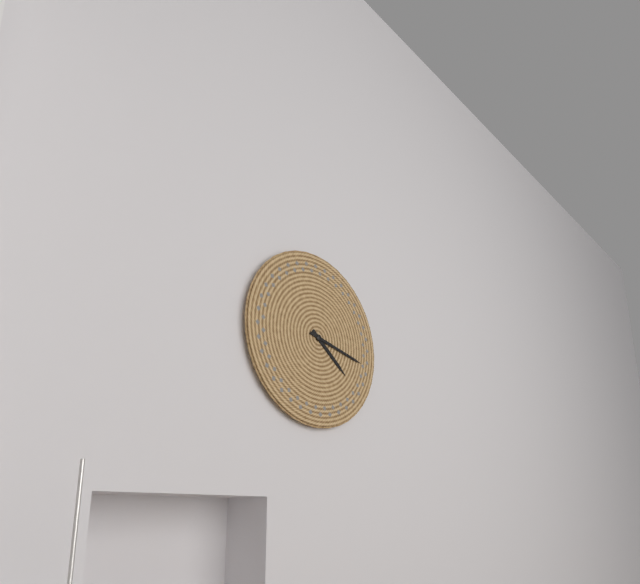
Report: {"hour": 4, "minute": 17}
